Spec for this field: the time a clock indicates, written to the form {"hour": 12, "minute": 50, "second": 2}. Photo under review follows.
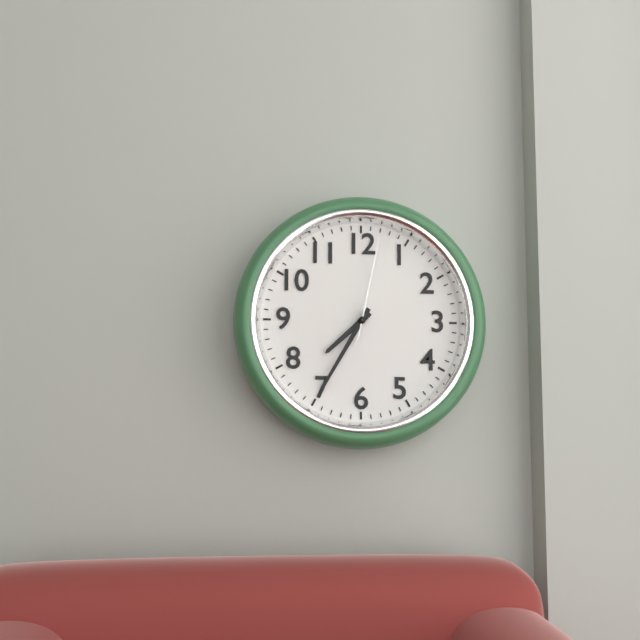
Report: {"hour": 7, "minute": 35, "second": 2}
